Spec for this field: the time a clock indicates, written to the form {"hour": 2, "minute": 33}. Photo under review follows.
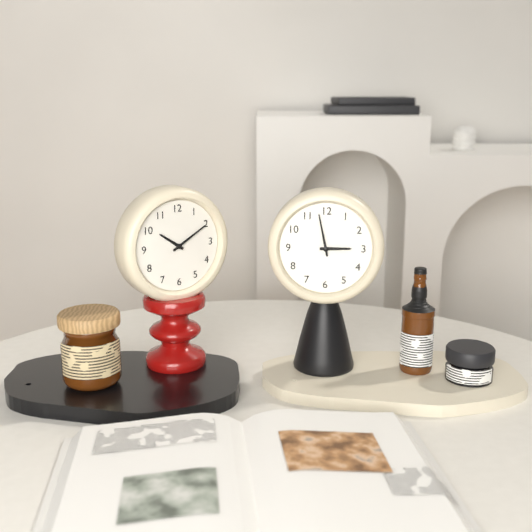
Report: {"hour": 2, "minute": 58}
